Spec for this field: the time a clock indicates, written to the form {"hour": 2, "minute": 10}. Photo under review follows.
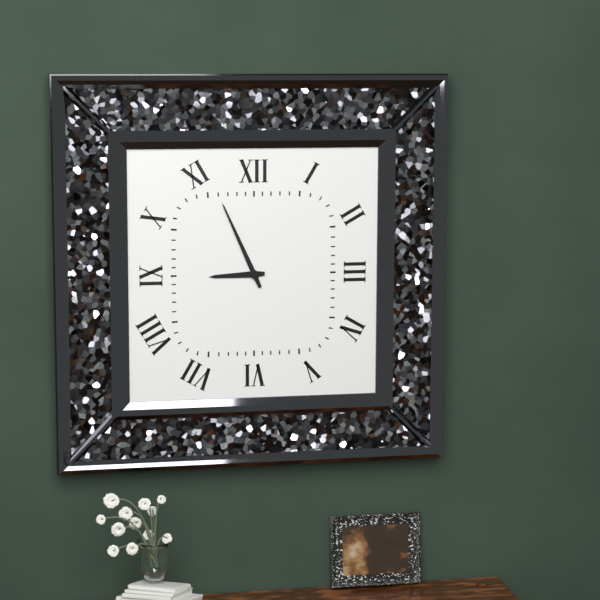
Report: {"hour": 8, "minute": 56}
